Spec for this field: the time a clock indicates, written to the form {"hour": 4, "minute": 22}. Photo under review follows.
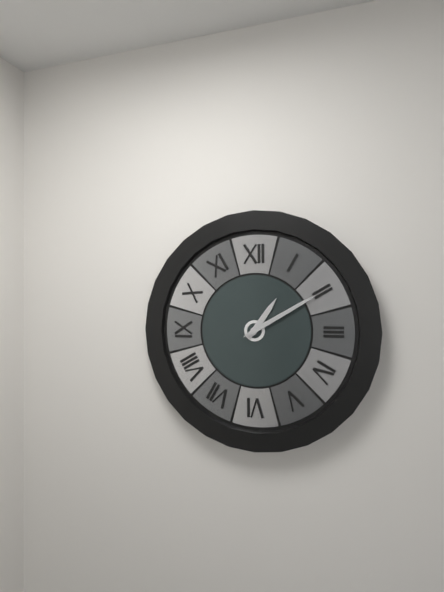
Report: {"hour": 1, "minute": 10}
